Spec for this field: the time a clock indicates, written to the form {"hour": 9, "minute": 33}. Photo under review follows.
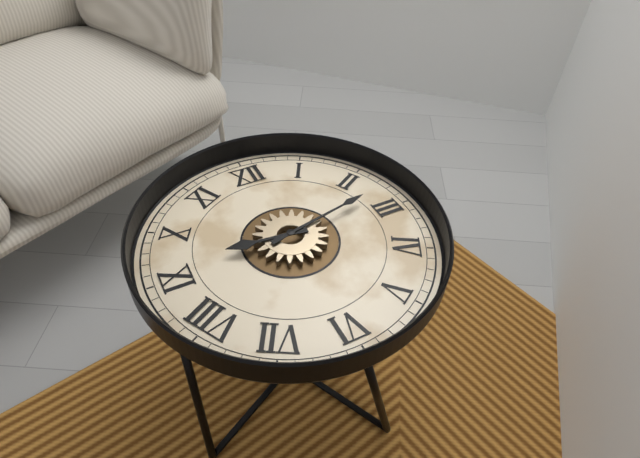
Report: {"hour": 9, "minute": 13}
